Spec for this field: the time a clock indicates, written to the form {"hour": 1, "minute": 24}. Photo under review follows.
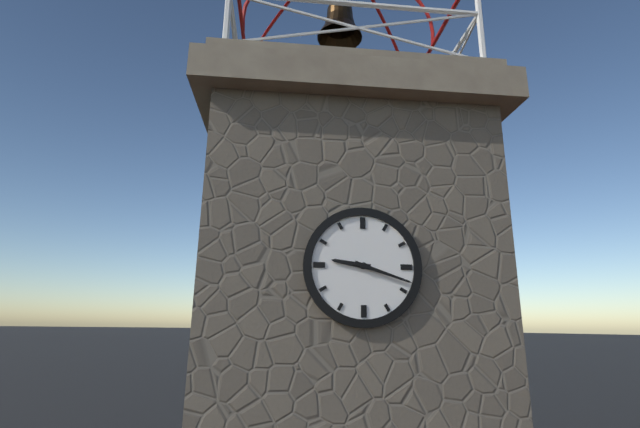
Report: {"hour": 9, "minute": 18}
